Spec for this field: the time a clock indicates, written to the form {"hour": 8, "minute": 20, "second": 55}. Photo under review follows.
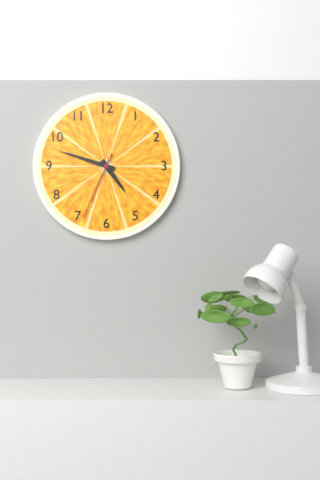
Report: {"hour": 4, "minute": 48, "second": 34}
